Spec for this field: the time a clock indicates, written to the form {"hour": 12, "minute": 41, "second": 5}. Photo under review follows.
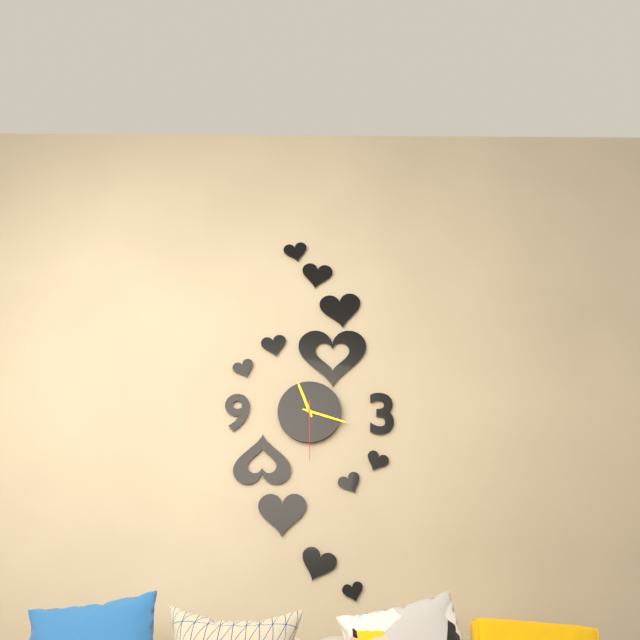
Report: {"hour": 11, "minute": 18, "second": 30}
